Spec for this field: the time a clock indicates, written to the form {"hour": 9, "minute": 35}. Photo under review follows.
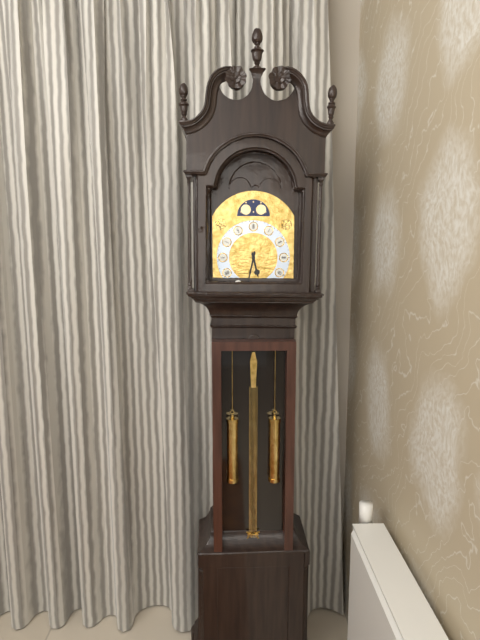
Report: {"hour": 5, "minute": 32}
